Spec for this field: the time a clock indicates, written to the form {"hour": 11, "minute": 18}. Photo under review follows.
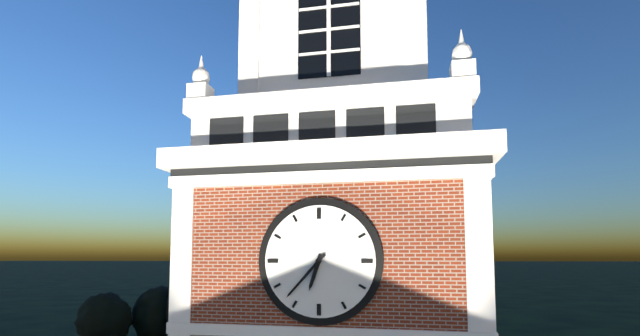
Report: {"hour": 6, "minute": 37}
